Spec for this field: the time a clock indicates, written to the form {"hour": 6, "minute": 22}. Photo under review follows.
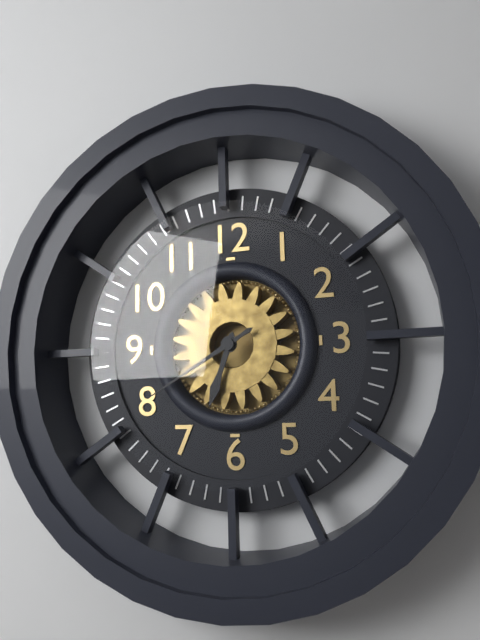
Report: {"hour": 6, "minute": 40}
